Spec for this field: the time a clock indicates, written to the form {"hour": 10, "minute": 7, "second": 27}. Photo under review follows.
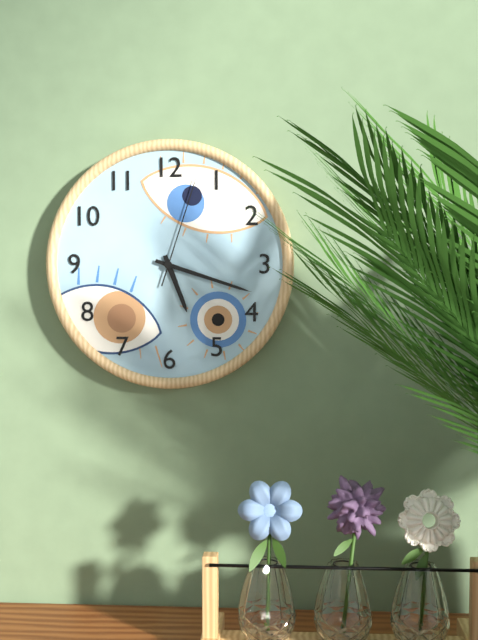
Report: {"hour": 5, "minute": 18, "second": 3}
